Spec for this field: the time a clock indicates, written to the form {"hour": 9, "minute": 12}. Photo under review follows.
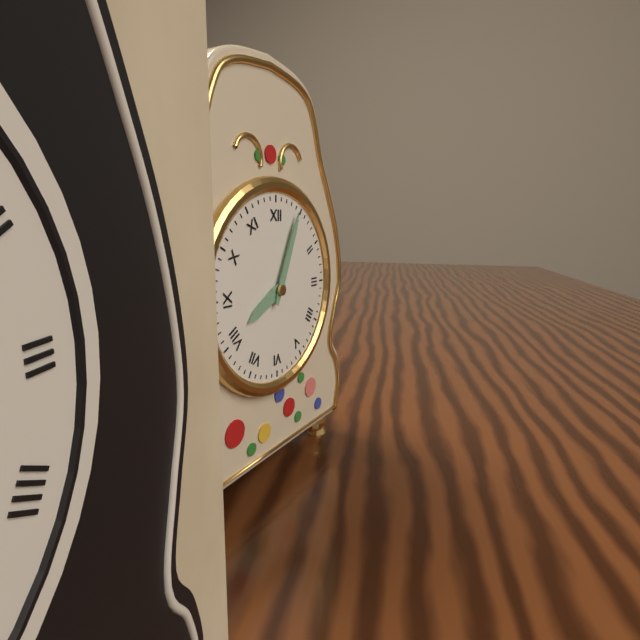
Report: {"hour": 8, "minute": 4}
